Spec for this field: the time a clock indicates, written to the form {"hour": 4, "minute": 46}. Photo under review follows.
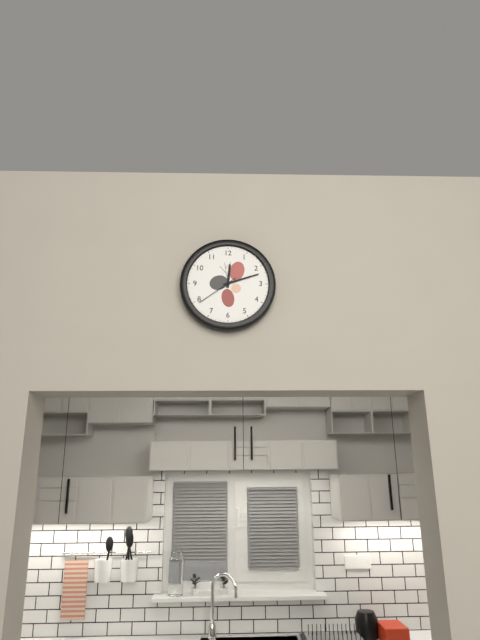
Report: {"hour": 12, "minute": 12}
